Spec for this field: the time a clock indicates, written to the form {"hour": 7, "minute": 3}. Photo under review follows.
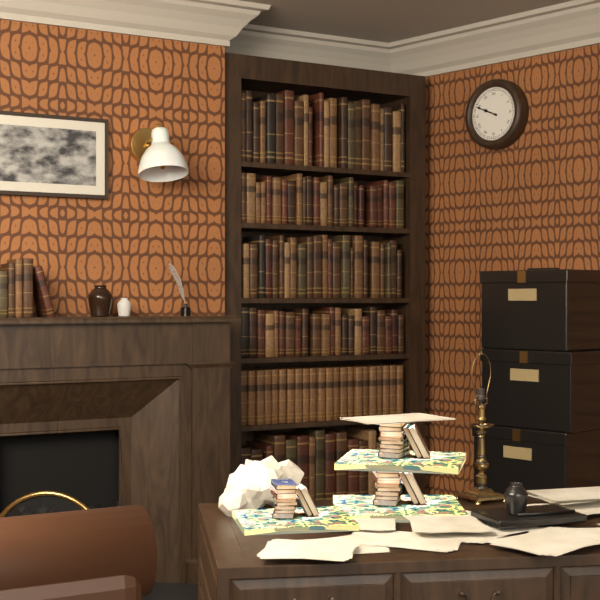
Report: {"hour": 9, "minute": 49}
